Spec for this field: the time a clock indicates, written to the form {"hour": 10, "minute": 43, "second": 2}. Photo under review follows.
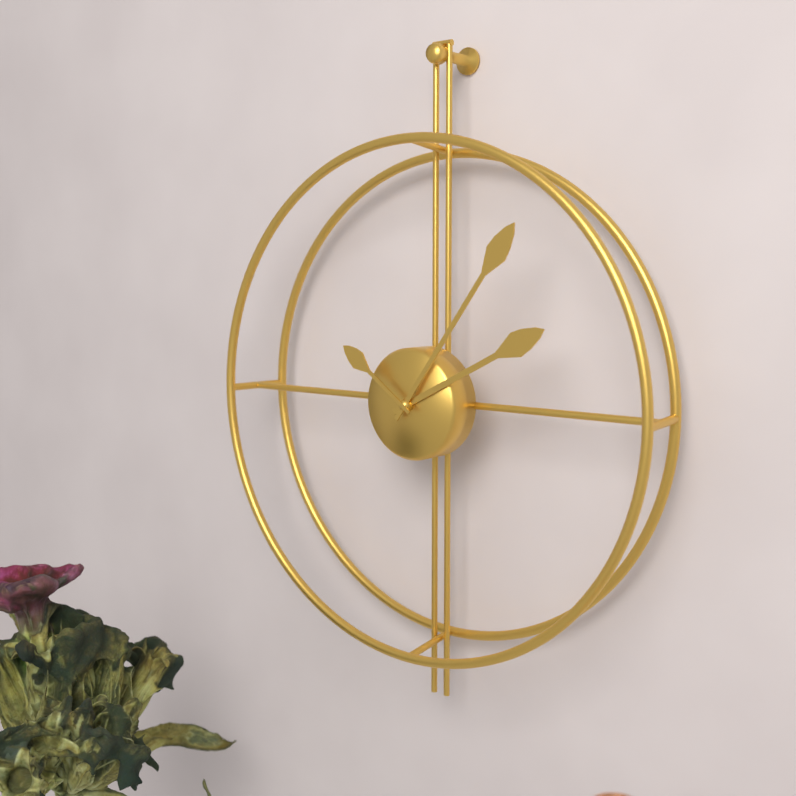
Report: {"hour": 2, "minute": 6, "second": 51}
